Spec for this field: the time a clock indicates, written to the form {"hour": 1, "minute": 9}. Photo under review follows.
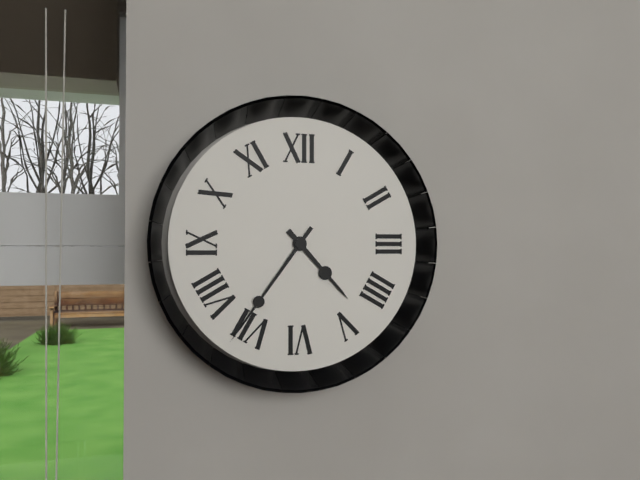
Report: {"hour": 4, "minute": 36}
